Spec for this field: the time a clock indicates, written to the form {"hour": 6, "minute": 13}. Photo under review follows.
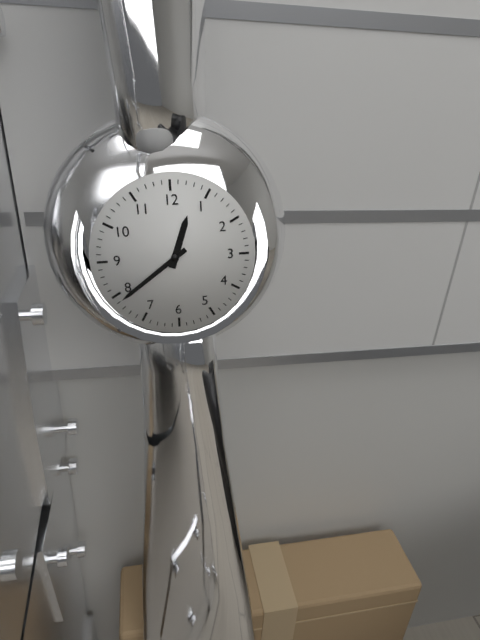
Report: {"hour": 12, "minute": 39}
